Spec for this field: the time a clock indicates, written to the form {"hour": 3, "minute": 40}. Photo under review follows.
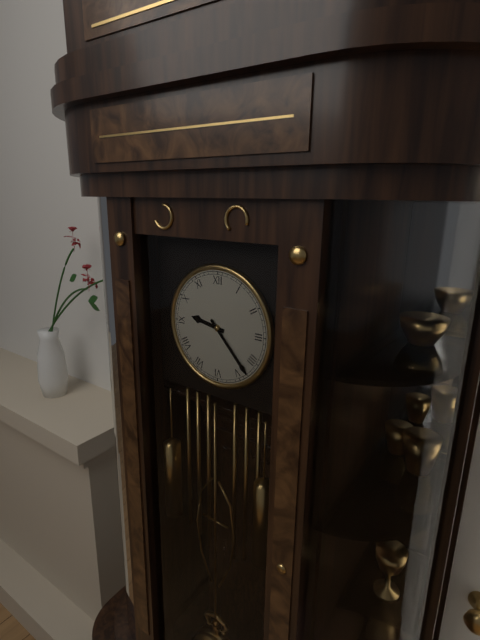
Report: {"hour": 9, "minute": 23}
